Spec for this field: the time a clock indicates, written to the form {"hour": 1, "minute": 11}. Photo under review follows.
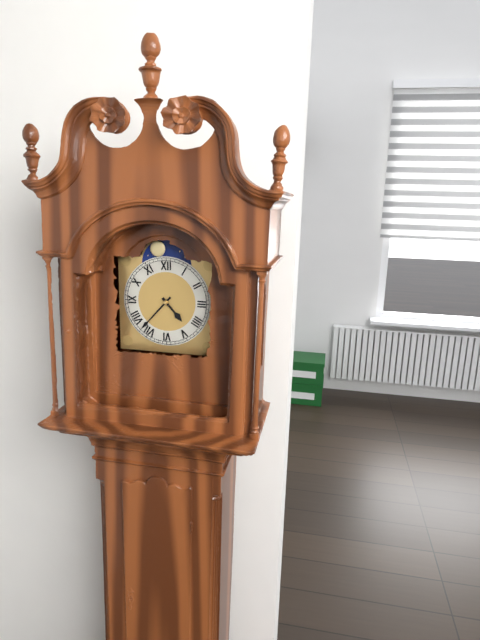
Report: {"hour": 4, "minute": 37}
